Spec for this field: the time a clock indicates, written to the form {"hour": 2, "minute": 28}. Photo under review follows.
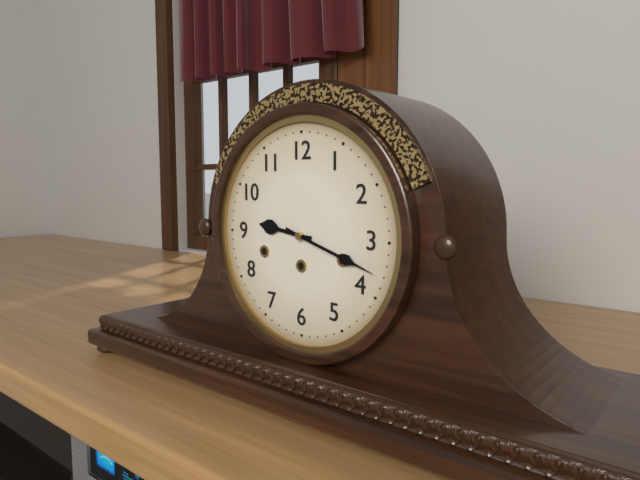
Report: {"hour": 9, "minute": 18}
